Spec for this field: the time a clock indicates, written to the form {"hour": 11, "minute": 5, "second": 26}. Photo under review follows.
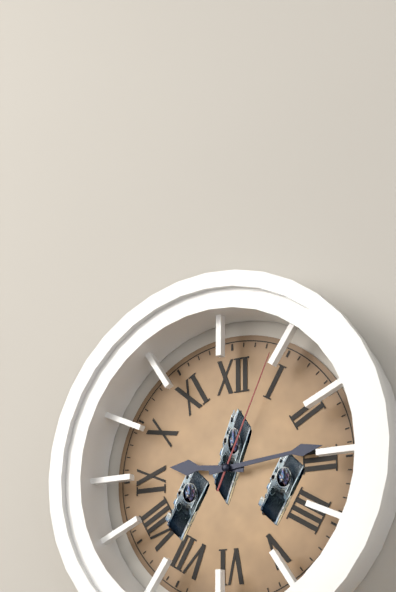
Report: {"hour": 9, "minute": 14, "second": 4}
